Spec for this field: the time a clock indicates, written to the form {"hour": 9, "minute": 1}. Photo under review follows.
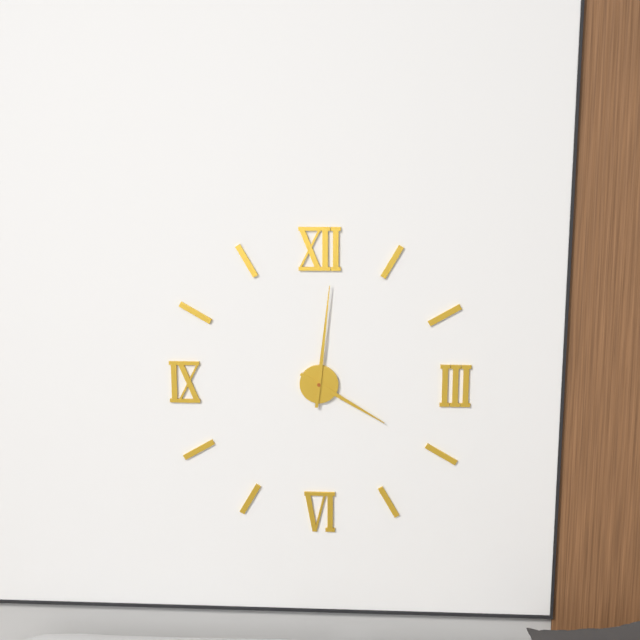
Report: {"hour": 4, "minute": 1}
